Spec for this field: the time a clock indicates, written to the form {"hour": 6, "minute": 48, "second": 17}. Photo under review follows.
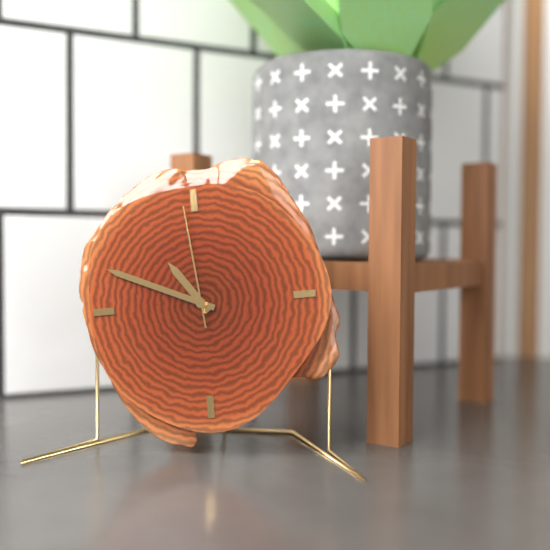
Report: {"hour": 10, "minute": 49, "second": 59}
